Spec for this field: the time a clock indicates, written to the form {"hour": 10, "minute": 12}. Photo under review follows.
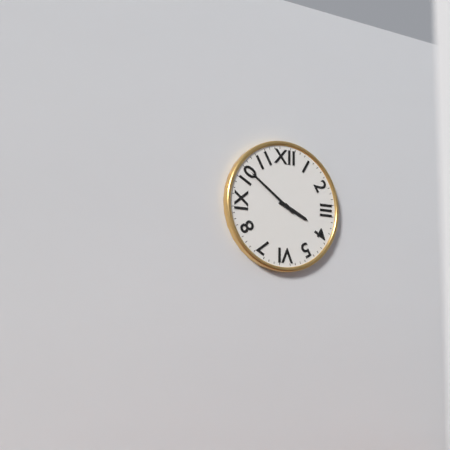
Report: {"hour": 3, "minute": 51}
